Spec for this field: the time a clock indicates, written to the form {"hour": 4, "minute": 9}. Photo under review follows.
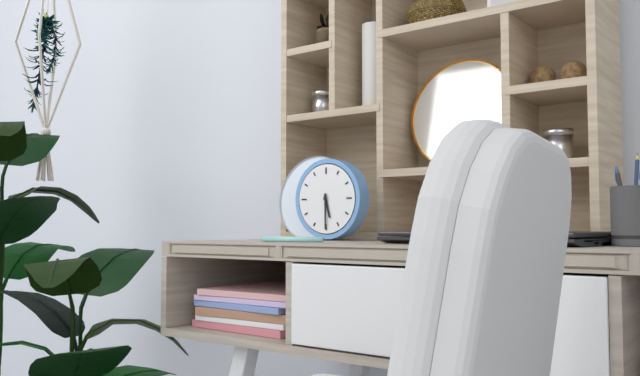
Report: {"hour": 5, "minute": 30}
